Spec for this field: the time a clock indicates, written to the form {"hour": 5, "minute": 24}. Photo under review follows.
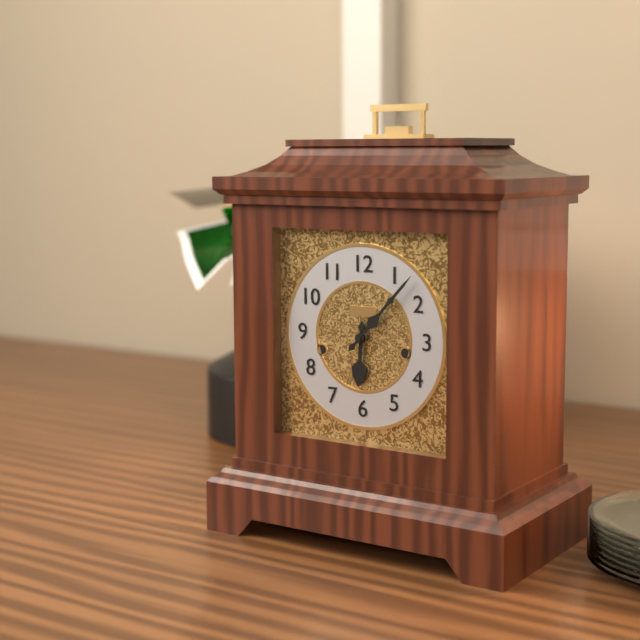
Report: {"hour": 6, "minute": 7}
